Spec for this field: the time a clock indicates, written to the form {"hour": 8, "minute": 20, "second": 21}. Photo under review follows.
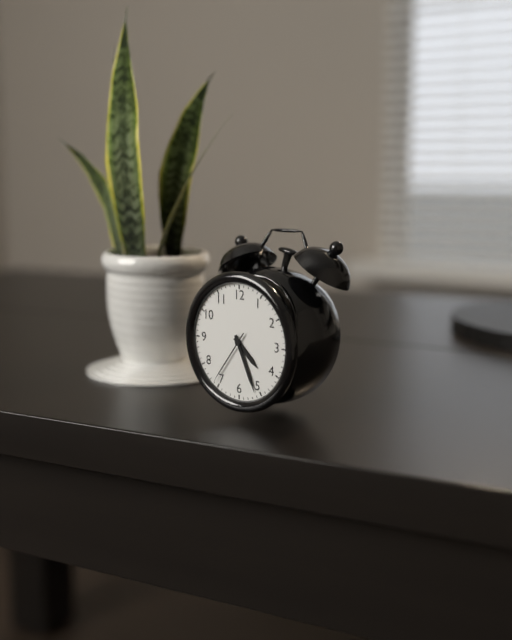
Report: {"hour": 4, "minute": 26, "second": 36}
